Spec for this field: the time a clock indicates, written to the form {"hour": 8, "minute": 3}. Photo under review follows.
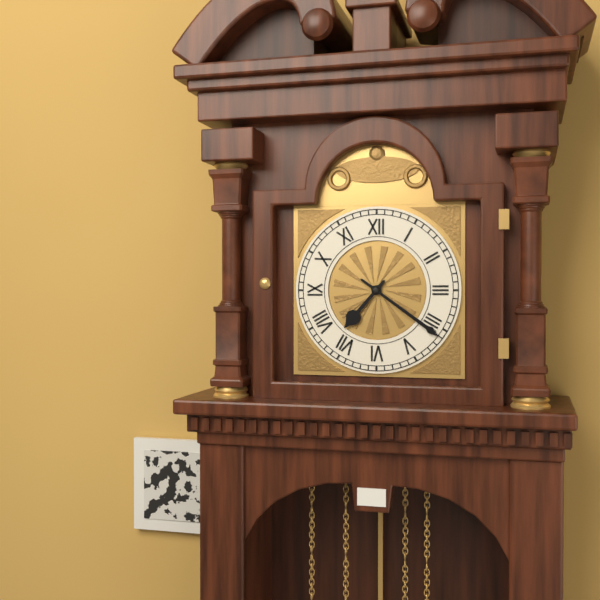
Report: {"hour": 7, "minute": 21}
